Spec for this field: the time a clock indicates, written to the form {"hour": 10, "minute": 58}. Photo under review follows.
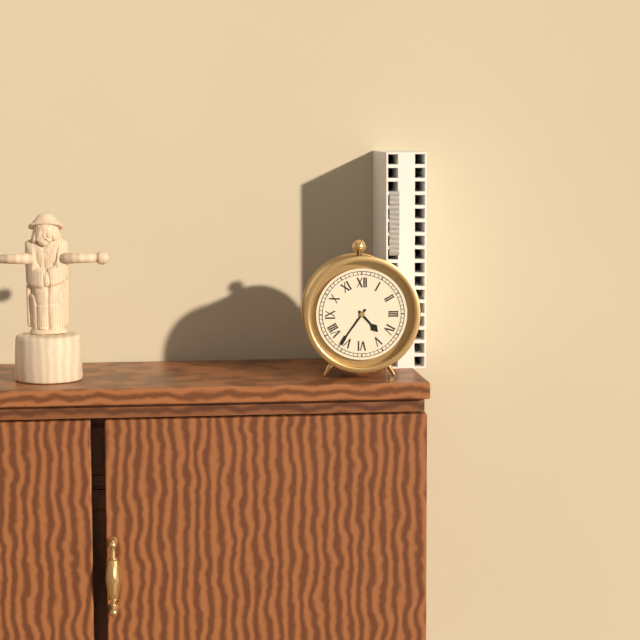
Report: {"hour": 4, "minute": 36}
